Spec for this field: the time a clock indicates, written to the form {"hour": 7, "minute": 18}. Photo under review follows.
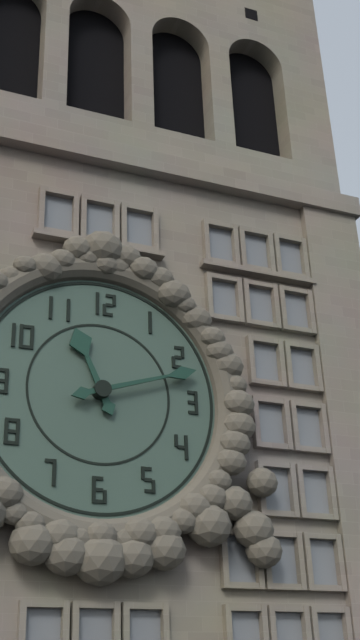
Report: {"hour": 11, "minute": 12}
